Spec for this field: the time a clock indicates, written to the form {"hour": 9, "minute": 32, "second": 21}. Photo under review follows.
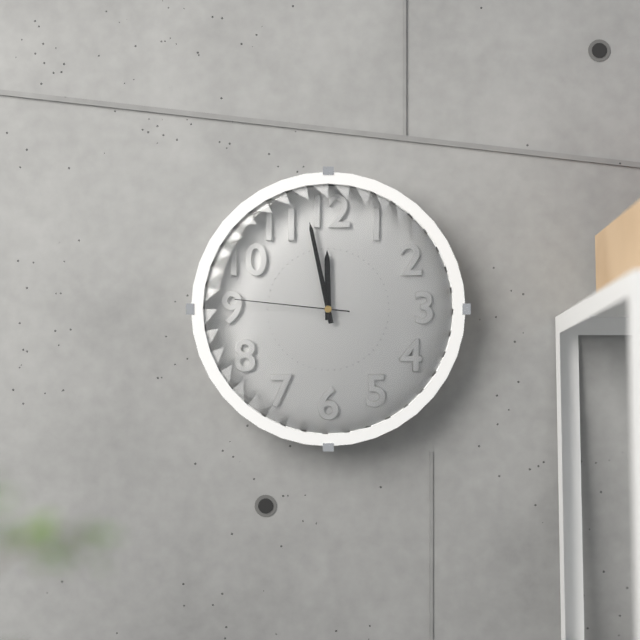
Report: {"hour": 11, "minute": 58, "second": 46}
